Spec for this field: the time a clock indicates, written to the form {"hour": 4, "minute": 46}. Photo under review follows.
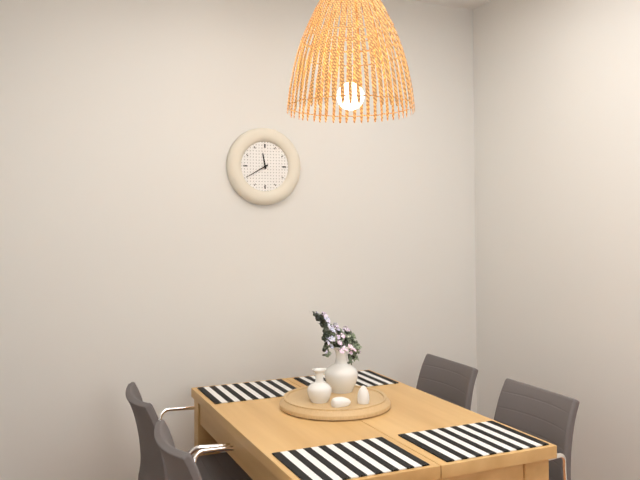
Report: {"hour": 11, "minute": 40}
